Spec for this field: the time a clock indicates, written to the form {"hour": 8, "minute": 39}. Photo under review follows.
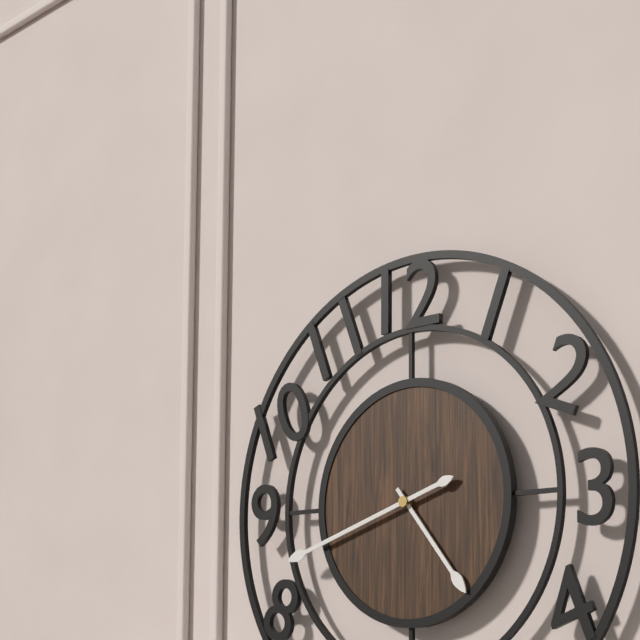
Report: {"hour": 4, "minute": 42}
